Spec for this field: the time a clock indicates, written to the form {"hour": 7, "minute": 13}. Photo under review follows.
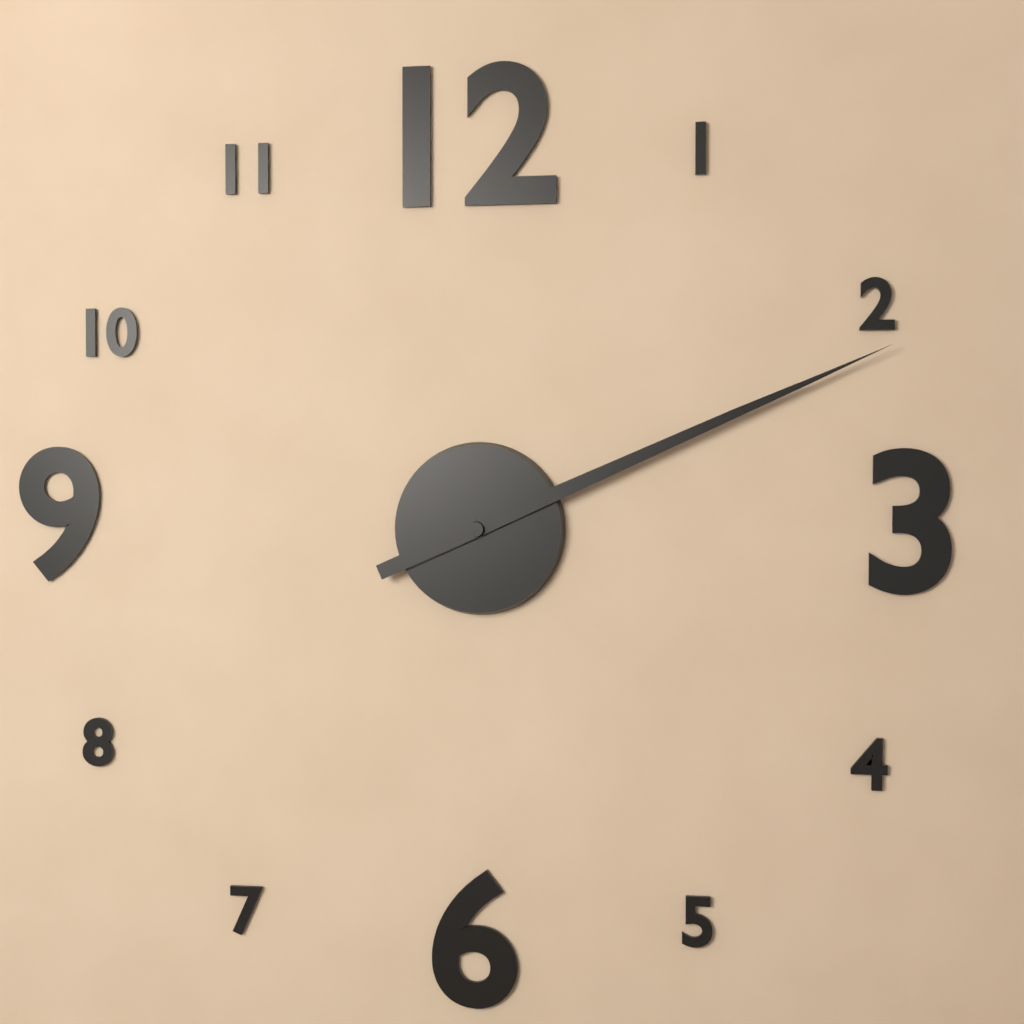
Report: {"hour": 2, "minute": 11}
